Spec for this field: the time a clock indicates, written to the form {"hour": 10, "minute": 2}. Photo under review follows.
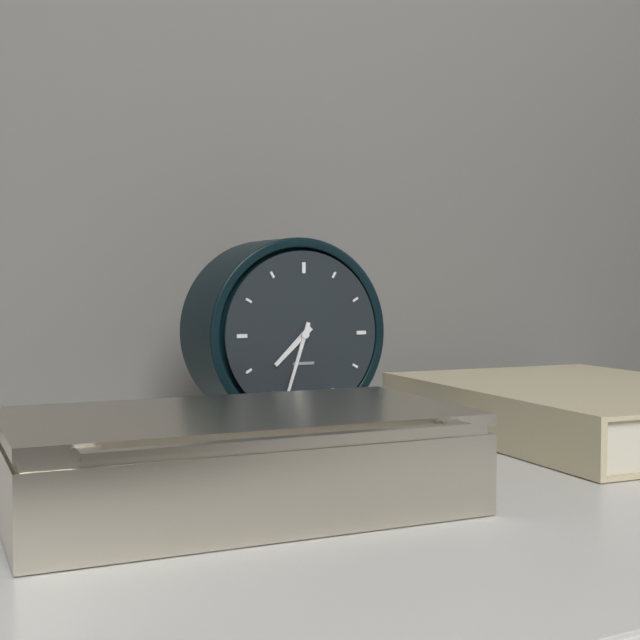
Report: {"hour": 7, "minute": 33}
